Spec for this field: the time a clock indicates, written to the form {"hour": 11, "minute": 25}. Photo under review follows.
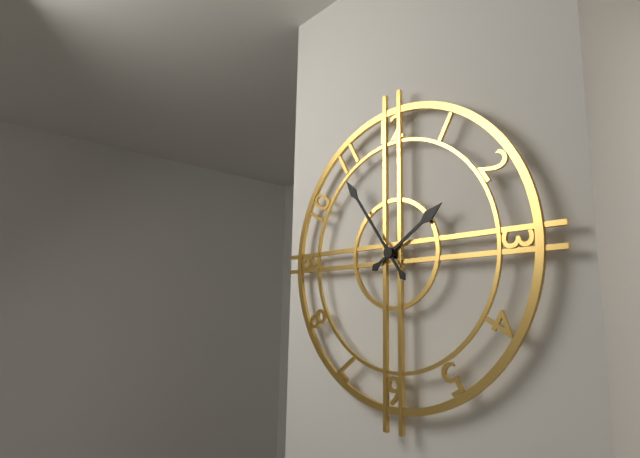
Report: {"hour": 1, "minute": 54}
